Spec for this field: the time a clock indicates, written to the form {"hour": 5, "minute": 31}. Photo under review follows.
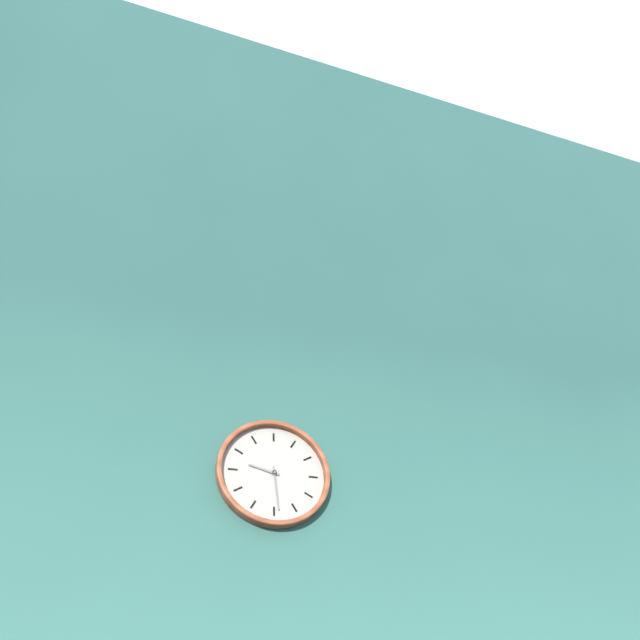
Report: {"hour": 9, "minute": 29}
